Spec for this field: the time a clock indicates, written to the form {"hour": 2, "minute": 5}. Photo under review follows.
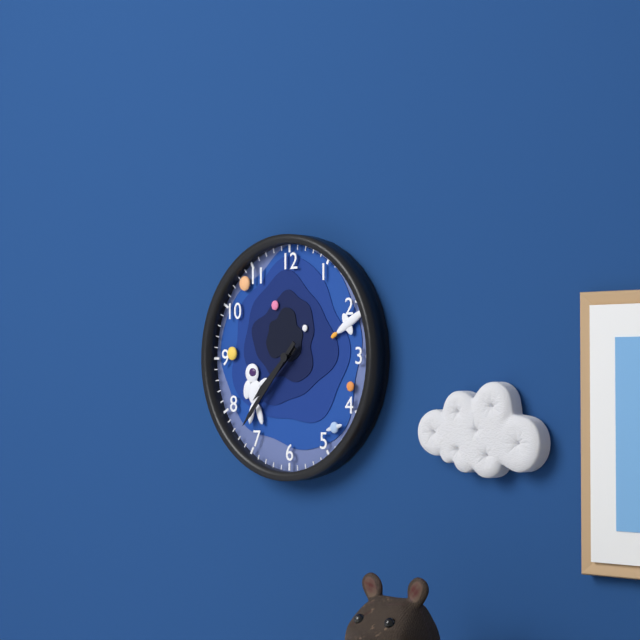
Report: {"hour": 7, "minute": 37}
